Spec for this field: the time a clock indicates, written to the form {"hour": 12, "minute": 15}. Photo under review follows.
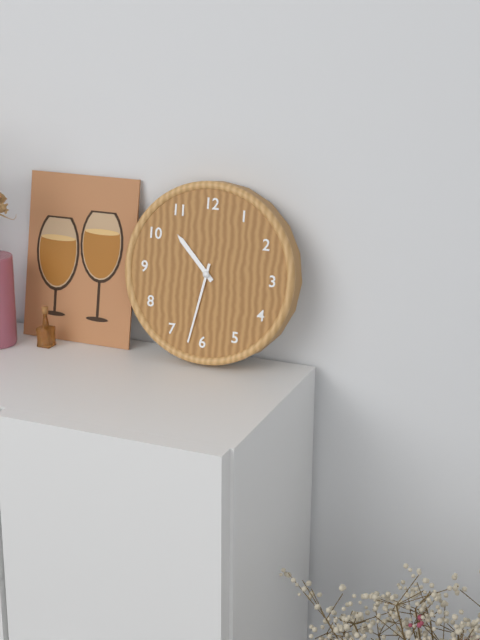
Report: {"hour": 10, "minute": 32}
